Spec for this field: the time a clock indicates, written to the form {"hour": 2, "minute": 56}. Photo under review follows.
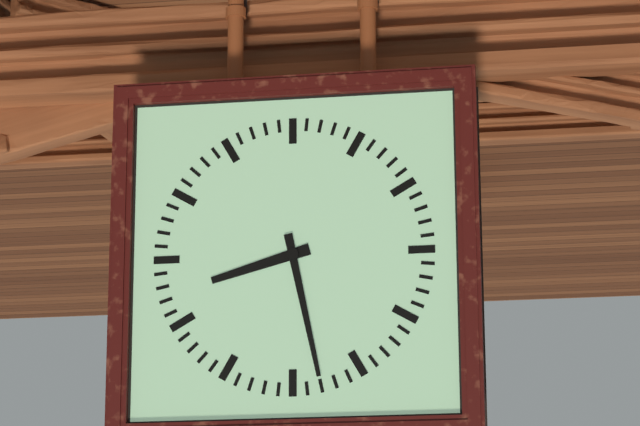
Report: {"hour": 8, "minute": 28}
